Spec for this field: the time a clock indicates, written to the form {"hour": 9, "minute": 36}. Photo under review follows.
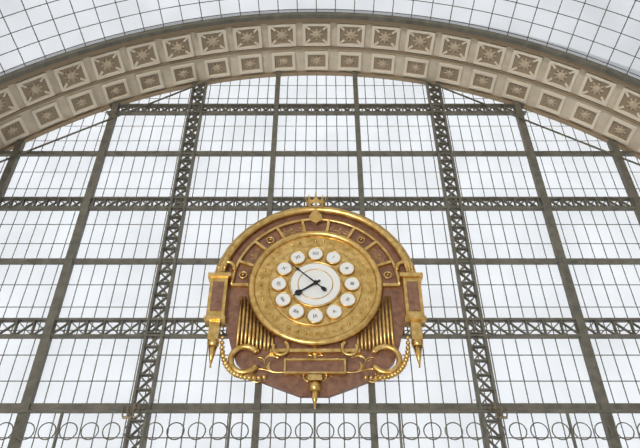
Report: {"hour": 7, "minute": 52}
